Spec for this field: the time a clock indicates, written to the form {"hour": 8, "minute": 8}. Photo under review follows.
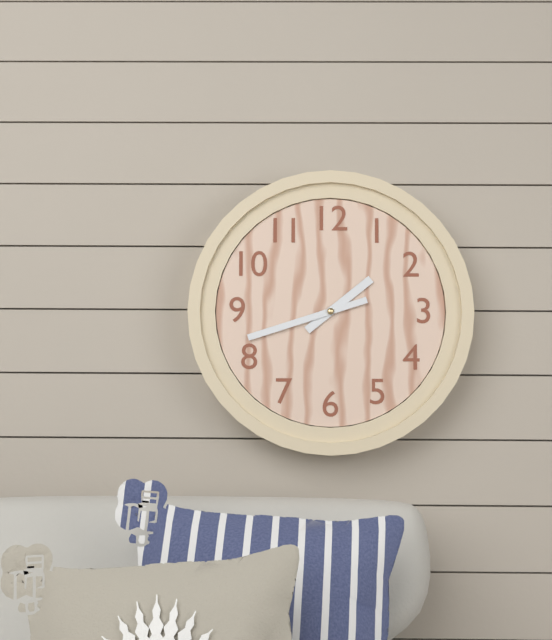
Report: {"hour": 1, "minute": 42}
